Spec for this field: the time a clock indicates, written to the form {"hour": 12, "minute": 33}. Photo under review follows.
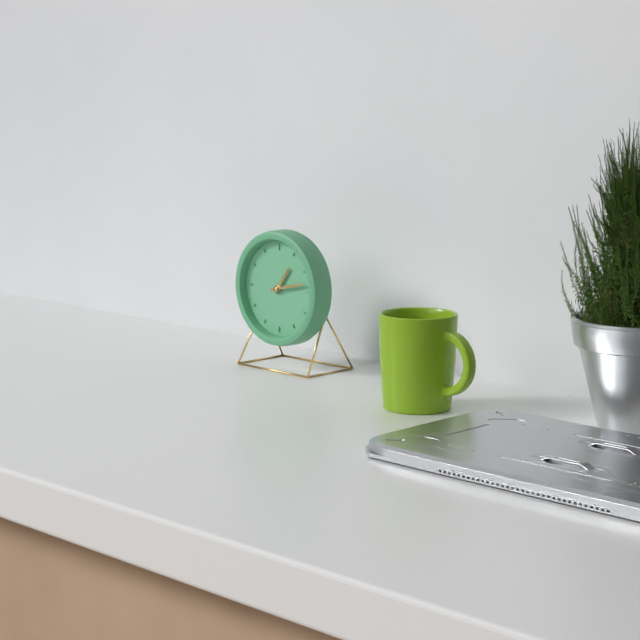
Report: {"hour": 1, "minute": 13}
